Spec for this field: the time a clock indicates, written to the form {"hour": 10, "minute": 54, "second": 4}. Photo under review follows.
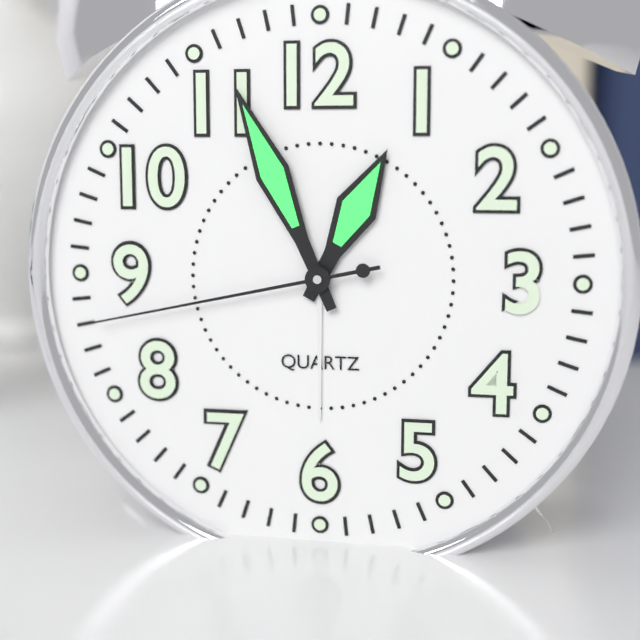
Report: {"hour": 12, "minute": 56, "second": 43}
